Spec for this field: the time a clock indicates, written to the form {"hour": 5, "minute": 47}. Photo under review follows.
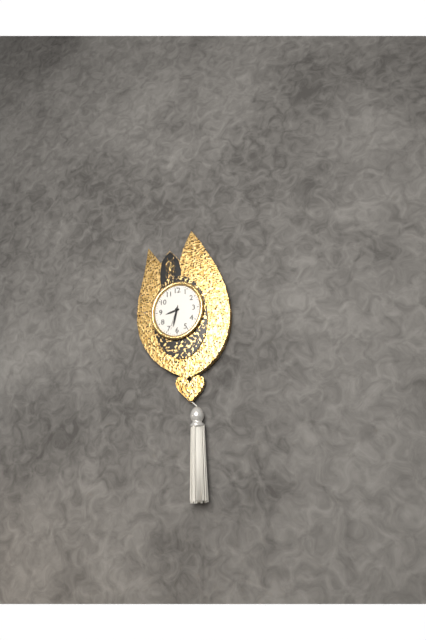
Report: {"hour": 8, "minute": 32}
